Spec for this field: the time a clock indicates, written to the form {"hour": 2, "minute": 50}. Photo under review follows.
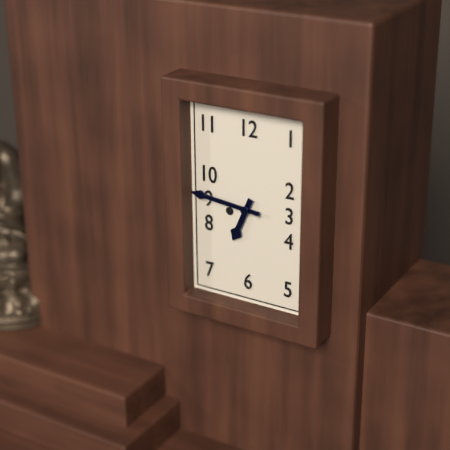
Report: {"hour": 6, "minute": 46}
